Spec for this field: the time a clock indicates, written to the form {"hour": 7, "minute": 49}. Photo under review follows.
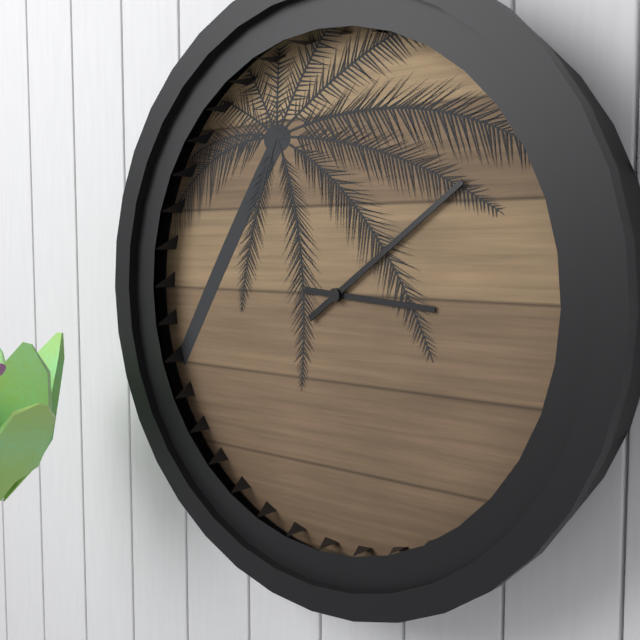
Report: {"hour": 3, "minute": 9}
